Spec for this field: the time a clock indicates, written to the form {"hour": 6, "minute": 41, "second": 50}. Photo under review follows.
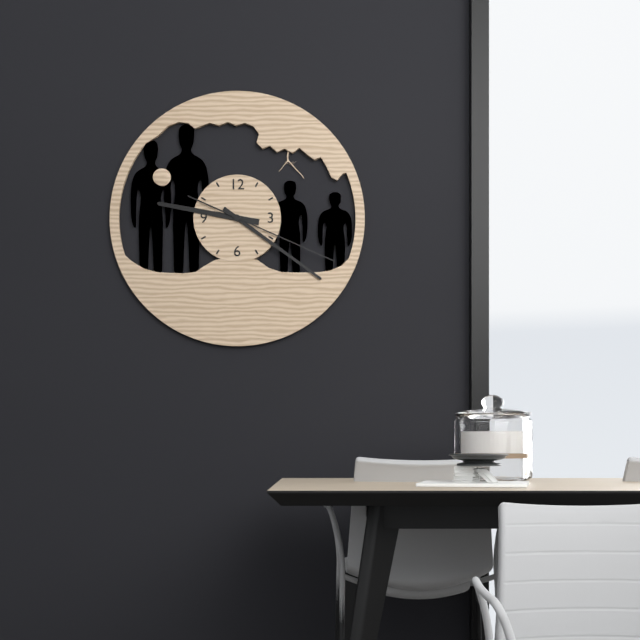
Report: {"hour": 9, "minute": 21, "second": 19}
